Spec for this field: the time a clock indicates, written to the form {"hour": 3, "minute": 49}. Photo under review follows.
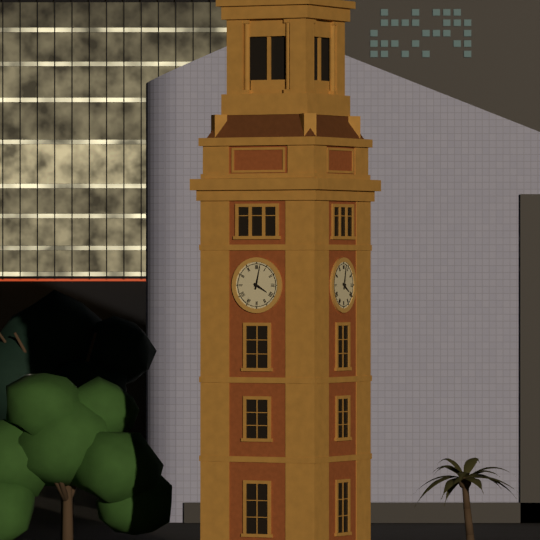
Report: {"hour": 4, "minute": 2}
